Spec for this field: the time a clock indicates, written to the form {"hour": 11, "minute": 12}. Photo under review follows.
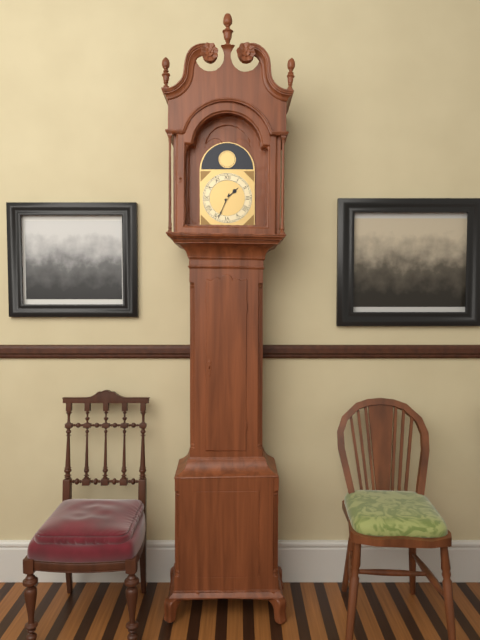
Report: {"hour": 1, "minute": 34}
